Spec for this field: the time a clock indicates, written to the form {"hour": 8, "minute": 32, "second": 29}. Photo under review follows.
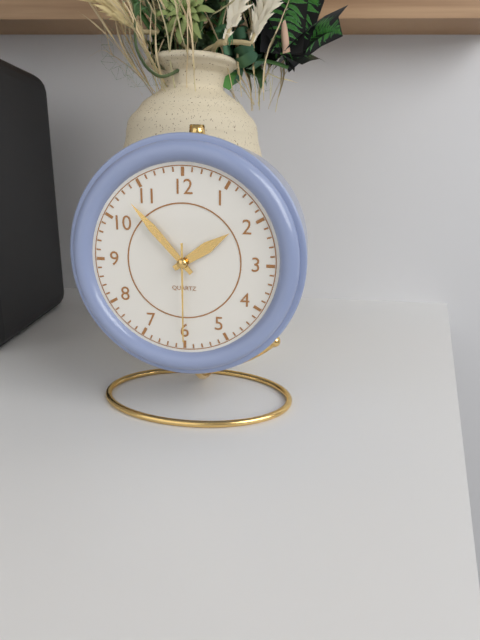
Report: {"hour": 1, "minute": 53, "second": 30}
